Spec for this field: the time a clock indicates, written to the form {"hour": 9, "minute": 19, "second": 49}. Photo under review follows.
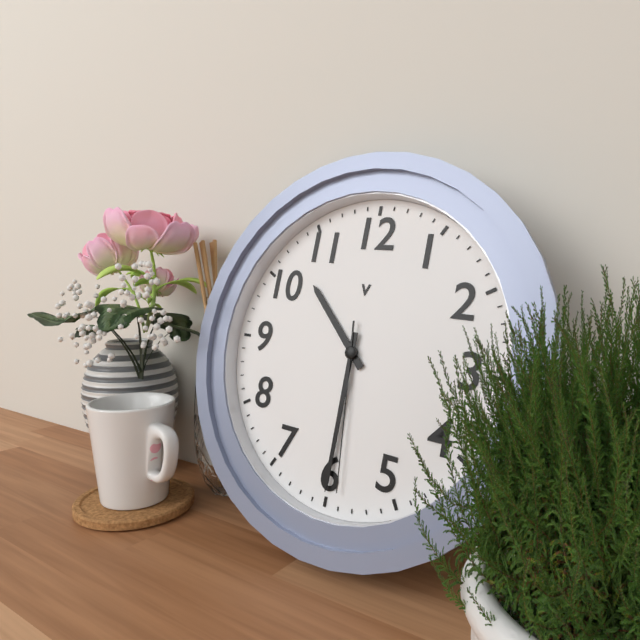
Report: {"hour": 10, "minute": 30, "second": 29}
